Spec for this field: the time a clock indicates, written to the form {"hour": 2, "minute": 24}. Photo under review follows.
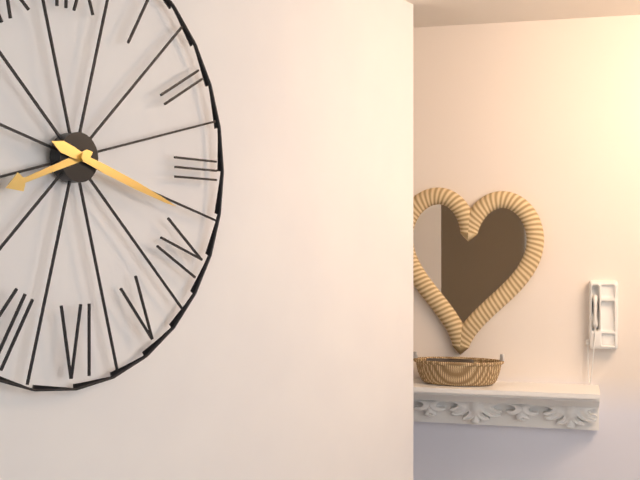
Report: {"hour": 8, "minute": 18}
